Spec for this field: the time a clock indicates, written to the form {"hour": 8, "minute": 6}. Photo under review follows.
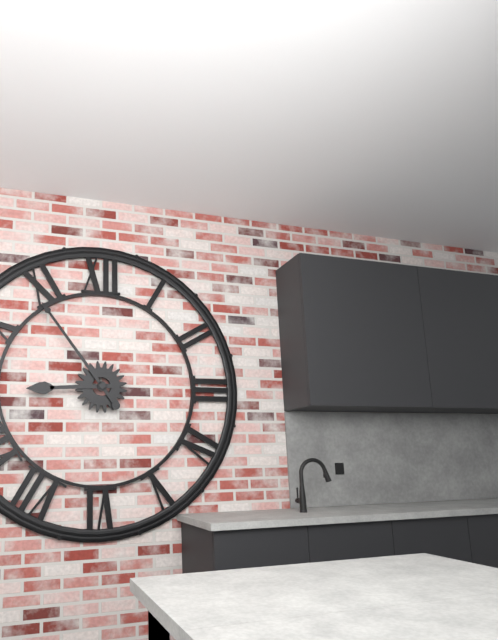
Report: {"hour": 8, "minute": 54}
